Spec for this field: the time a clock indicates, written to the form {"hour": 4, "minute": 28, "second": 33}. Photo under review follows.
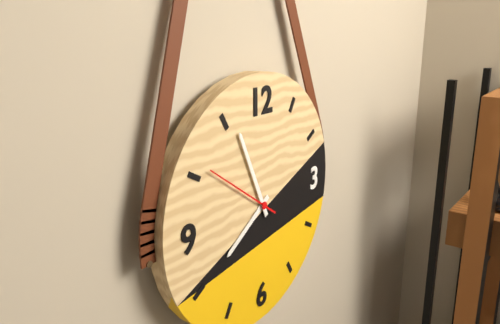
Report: {"hour": 7, "minute": 56, "second": 51}
